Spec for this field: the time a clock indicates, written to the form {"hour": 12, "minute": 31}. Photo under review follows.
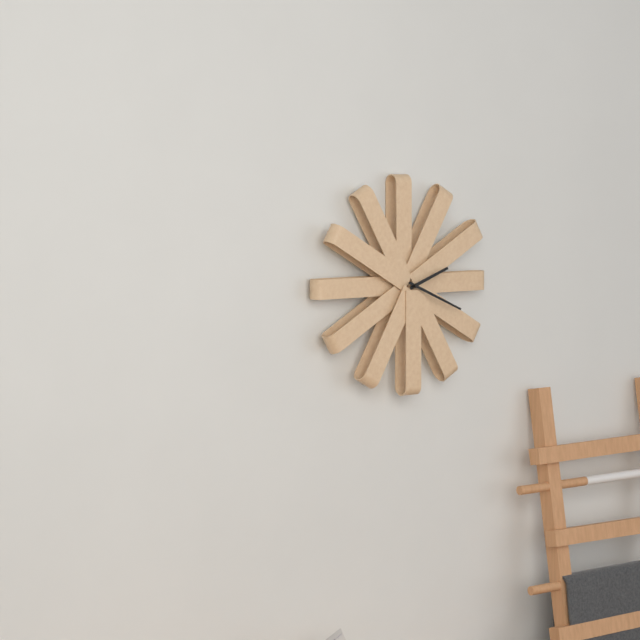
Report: {"hour": 2, "minute": 19}
